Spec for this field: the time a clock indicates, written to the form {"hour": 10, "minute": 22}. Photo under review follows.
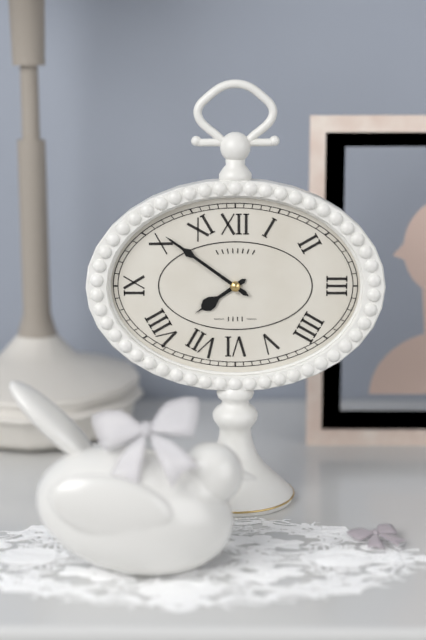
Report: {"hour": 7, "minute": 51}
